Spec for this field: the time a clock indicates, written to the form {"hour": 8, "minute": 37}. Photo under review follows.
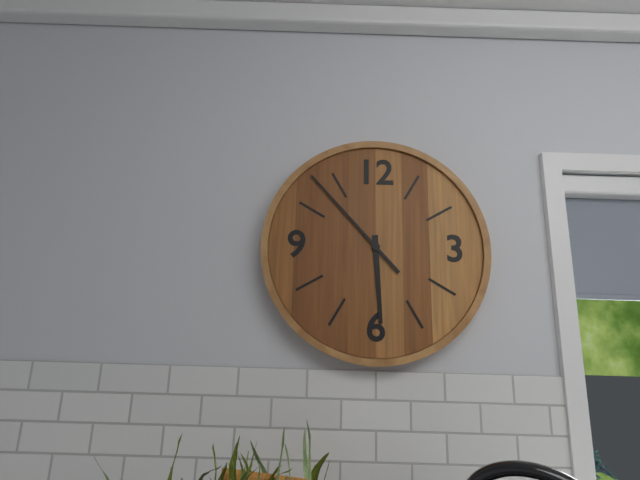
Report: {"hour": 5, "minute": 53}
